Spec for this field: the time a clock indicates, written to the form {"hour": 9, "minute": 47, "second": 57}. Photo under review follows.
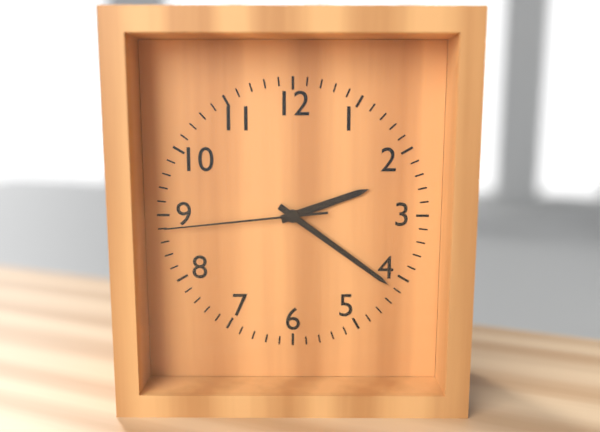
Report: {"hour": 2, "minute": 21, "second": 44}
